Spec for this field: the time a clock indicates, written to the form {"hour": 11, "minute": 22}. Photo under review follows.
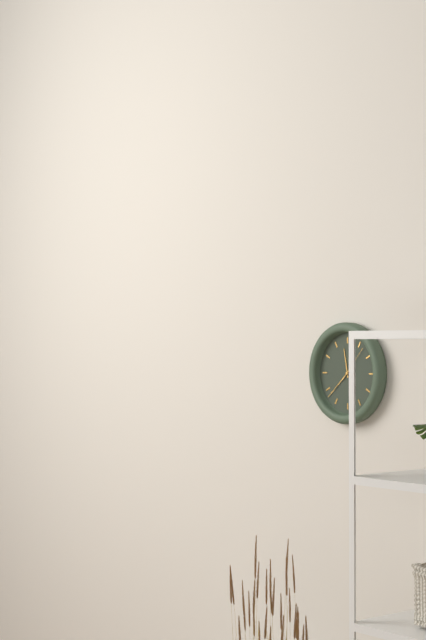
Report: {"hour": 11, "minute": 38}
